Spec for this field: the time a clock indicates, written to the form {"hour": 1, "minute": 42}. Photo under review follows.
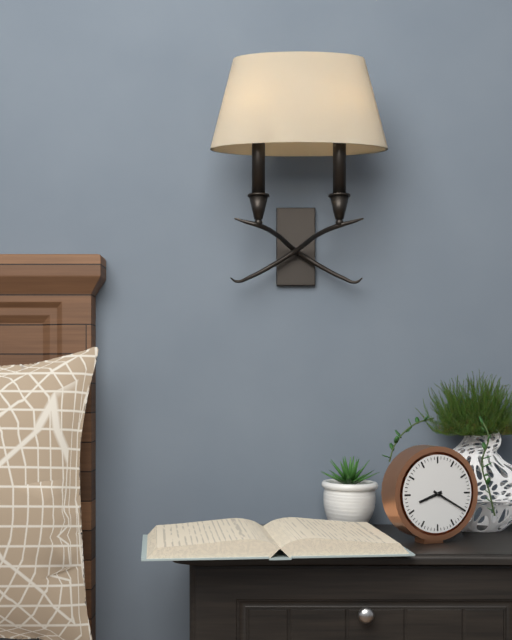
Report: {"hour": 8, "minute": 20}
